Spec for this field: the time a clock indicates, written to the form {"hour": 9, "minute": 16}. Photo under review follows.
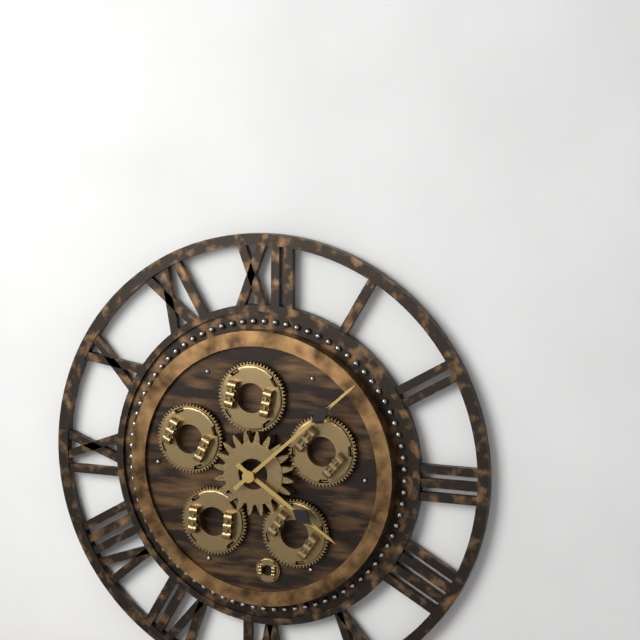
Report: {"hour": 4, "minute": 8}
